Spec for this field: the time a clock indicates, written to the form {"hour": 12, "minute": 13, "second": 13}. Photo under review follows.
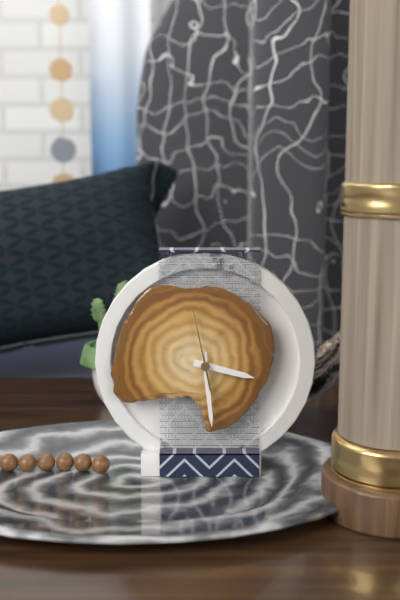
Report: {"hour": 3, "minute": 29, "second": 58}
